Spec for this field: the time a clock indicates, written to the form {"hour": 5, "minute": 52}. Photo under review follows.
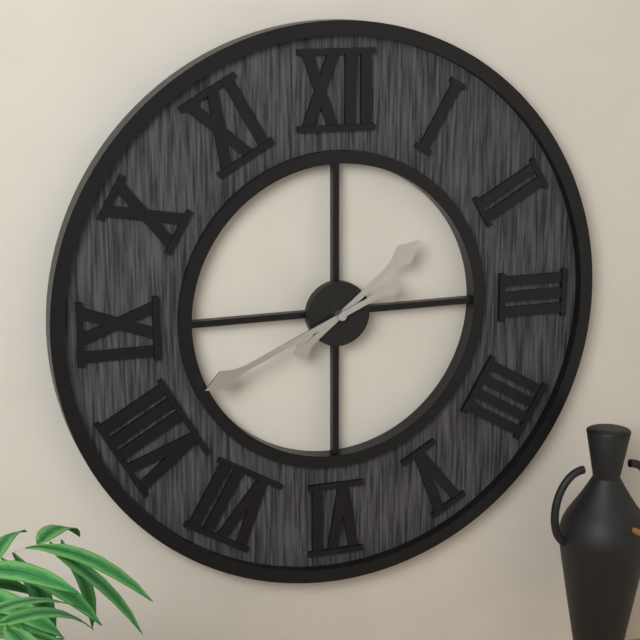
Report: {"hour": 1, "minute": 41}
